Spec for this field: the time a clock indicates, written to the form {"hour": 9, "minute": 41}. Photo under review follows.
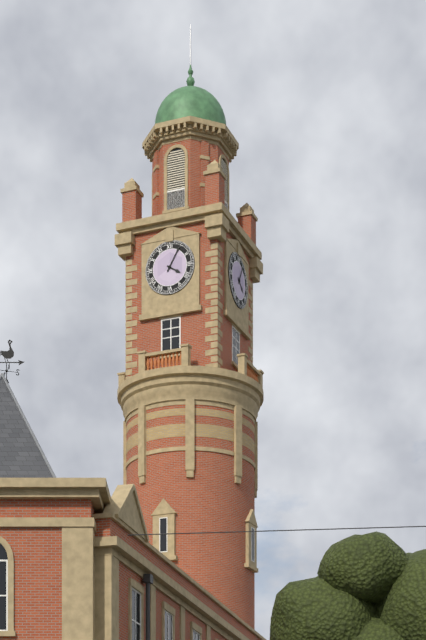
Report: {"hour": 4, "minute": 5}
